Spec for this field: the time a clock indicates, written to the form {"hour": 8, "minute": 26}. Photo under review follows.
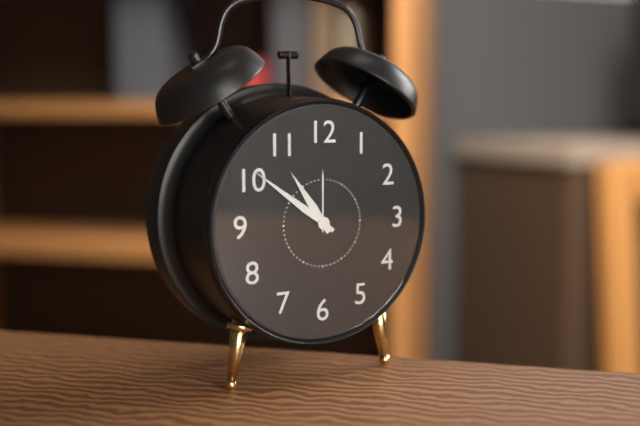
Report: {"hour": 10, "minute": 51}
